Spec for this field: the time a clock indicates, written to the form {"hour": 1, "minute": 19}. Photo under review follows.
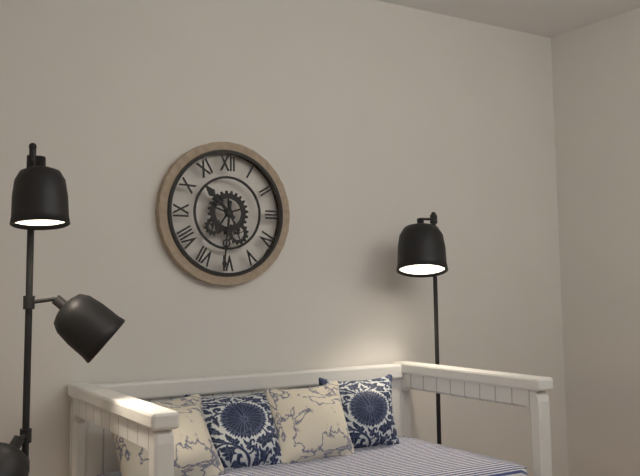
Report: {"hour": 10, "minute": 31}
